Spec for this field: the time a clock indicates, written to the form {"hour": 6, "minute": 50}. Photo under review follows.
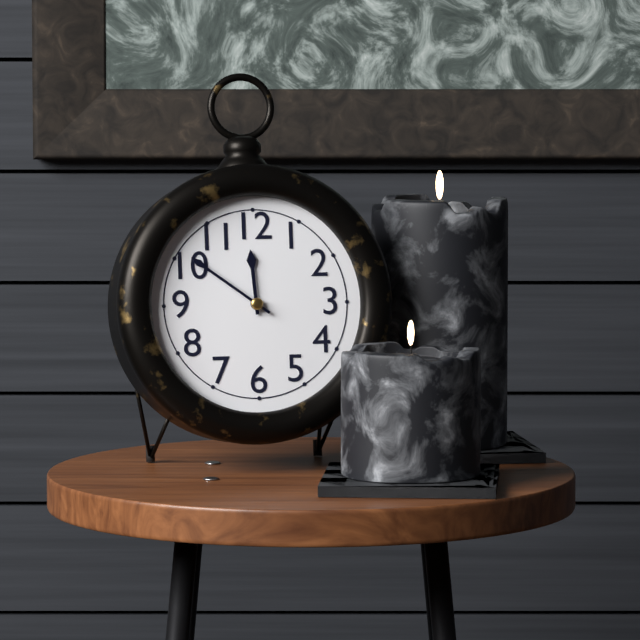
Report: {"hour": 11, "minute": 51}
